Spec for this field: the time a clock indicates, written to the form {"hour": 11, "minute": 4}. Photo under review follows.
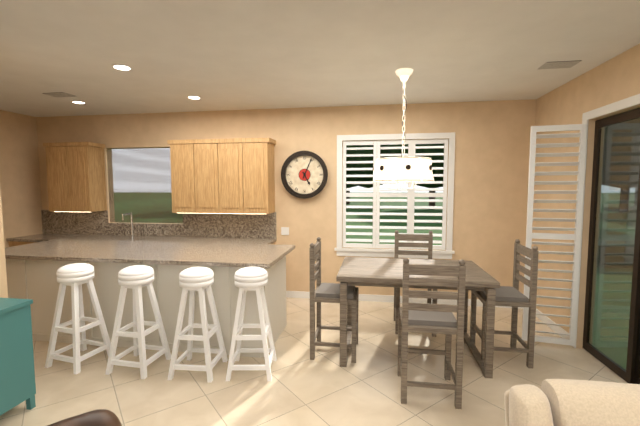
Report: {"hour": 5, "minute": 4}
